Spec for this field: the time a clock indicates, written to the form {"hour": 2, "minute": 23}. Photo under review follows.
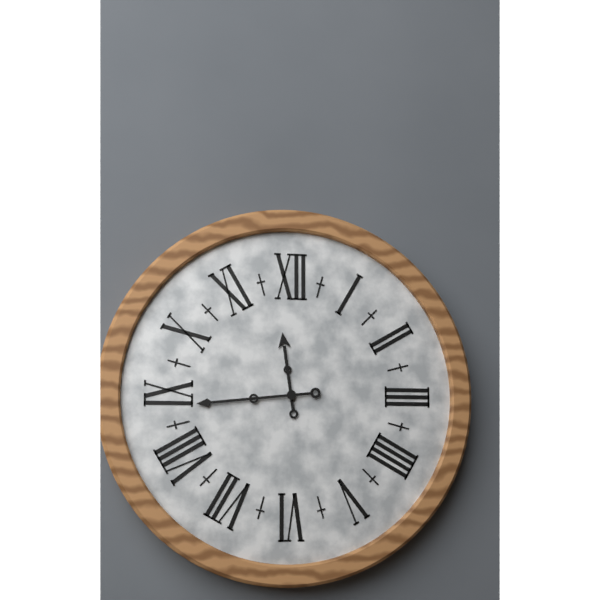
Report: {"hour": 11, "minute": 44}
